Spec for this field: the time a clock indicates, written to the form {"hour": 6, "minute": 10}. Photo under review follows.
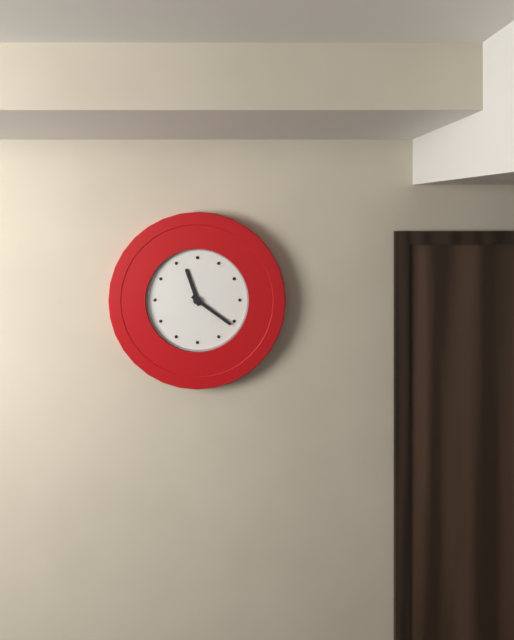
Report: {"hour": 11, "minute": 21}
